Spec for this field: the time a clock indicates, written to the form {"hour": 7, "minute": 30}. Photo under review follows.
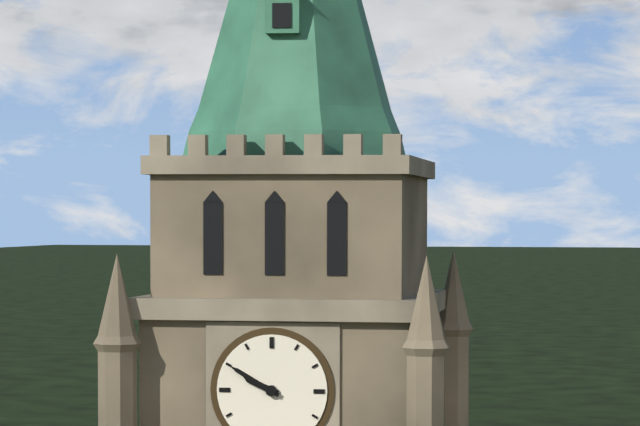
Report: {"hour": 9, "minute": 50}
